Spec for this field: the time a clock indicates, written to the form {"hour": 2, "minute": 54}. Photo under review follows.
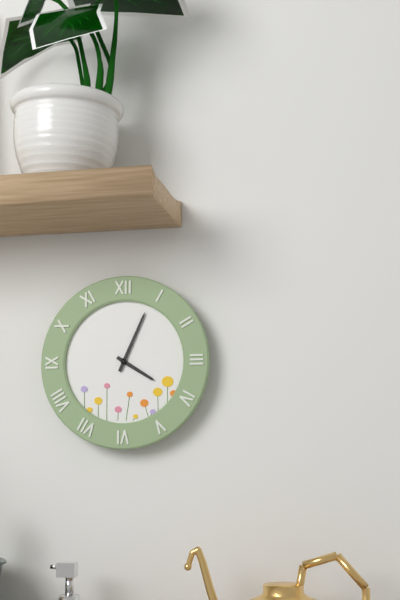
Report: {"hour": 4, "minute": 4}
